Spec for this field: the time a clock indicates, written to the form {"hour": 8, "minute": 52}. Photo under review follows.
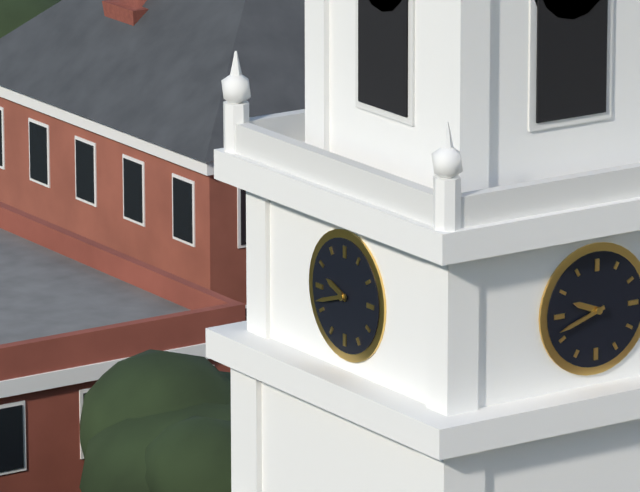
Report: {"hour": 9, "minute": 42}
